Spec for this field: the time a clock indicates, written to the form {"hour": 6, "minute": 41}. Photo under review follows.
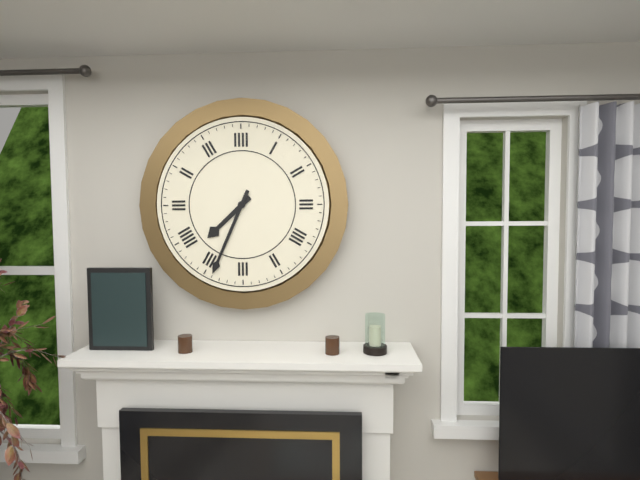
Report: {"hour": 7, "minute": 34}
